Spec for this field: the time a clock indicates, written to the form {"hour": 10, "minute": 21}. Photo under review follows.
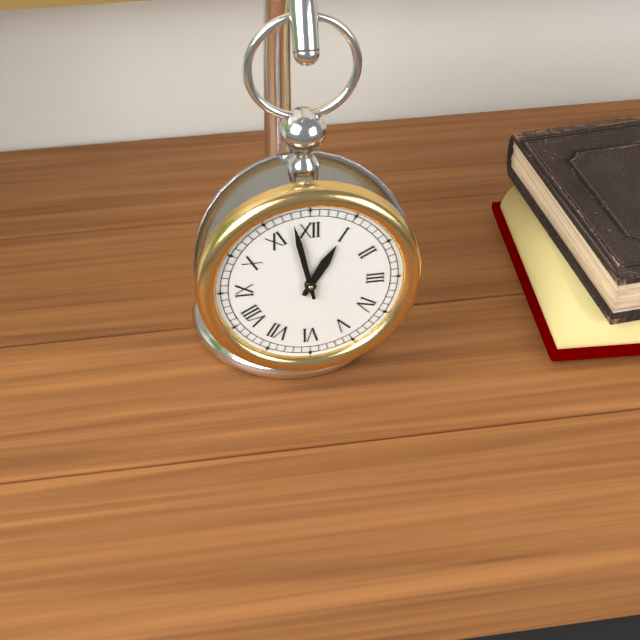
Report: {"hour": 12, "minute": 58}
